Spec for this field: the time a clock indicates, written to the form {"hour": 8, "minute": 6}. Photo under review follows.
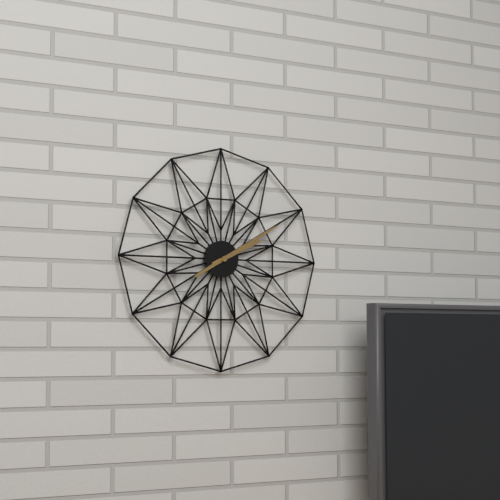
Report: {"hour": 2, "minute": 10}
